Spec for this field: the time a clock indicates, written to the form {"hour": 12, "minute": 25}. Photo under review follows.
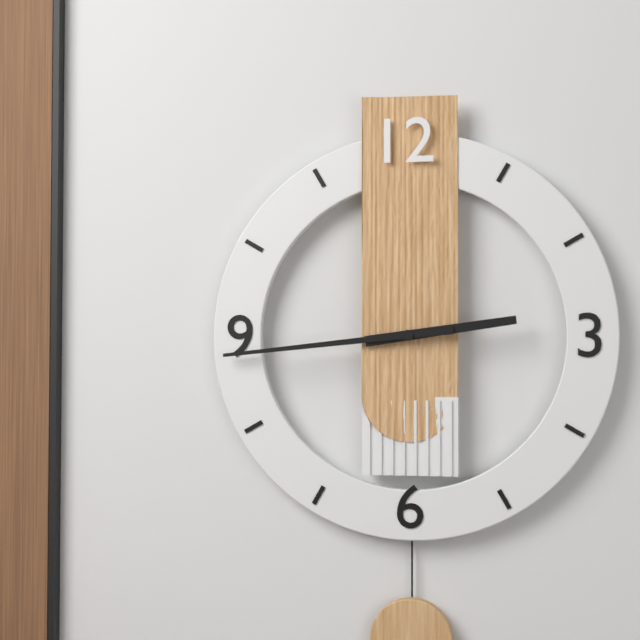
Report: {"hour": 2, "minute": 44}
